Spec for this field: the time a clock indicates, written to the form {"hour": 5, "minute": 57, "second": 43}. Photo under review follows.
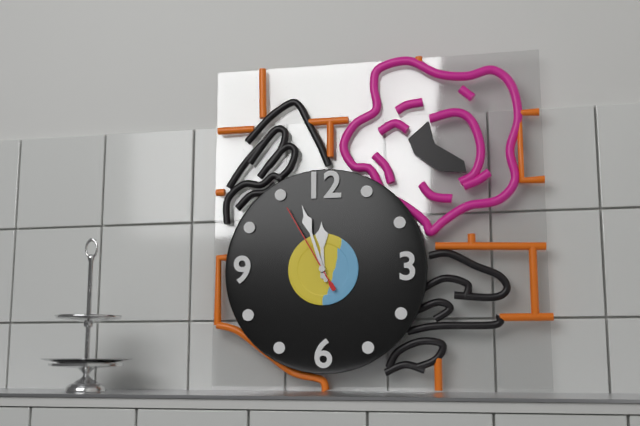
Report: {"hour": 11, "minute": 57, "second": 55}
